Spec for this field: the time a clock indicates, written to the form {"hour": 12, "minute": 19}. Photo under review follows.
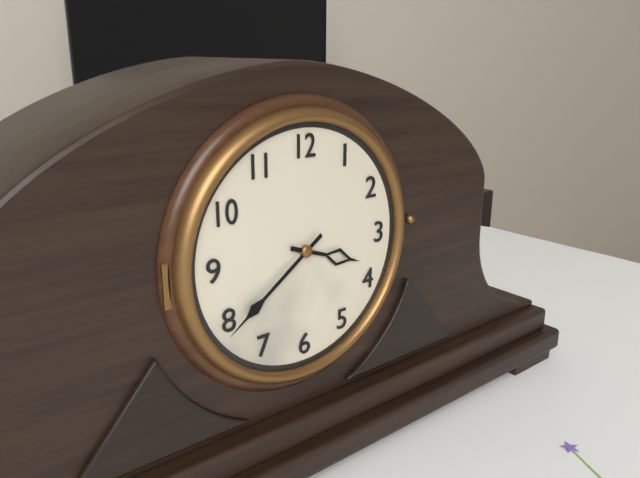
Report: {"hour": 3, "minute": 39}
